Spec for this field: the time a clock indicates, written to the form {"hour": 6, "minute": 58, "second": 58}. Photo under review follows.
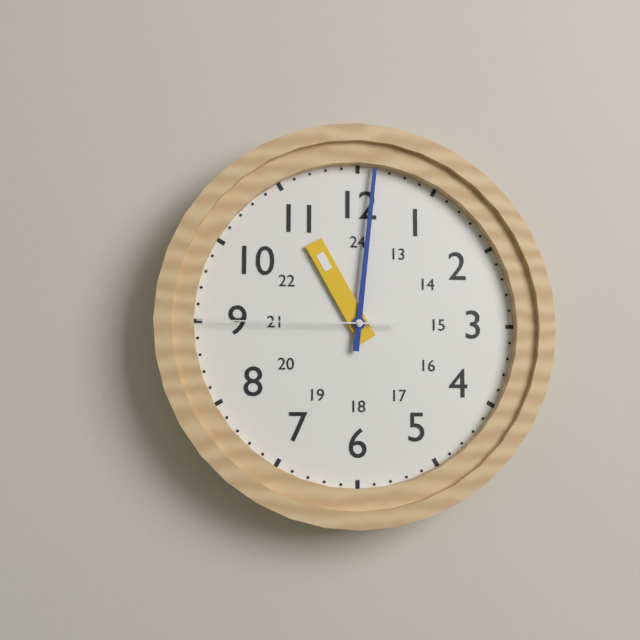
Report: {"hour": 11, "minute": 1, "second": 45}
